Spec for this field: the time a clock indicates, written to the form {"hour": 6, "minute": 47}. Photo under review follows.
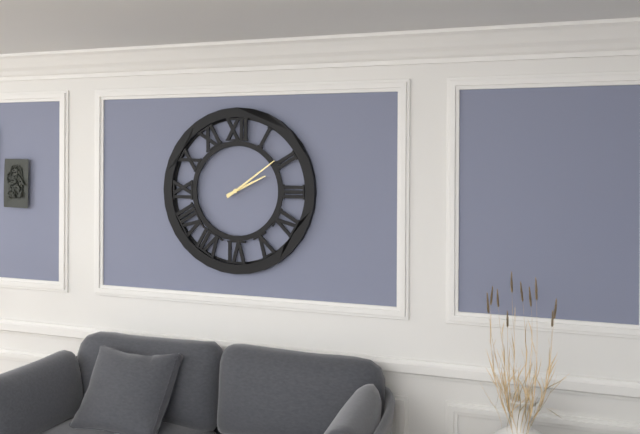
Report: {"hour": 2, "minute": 9}
